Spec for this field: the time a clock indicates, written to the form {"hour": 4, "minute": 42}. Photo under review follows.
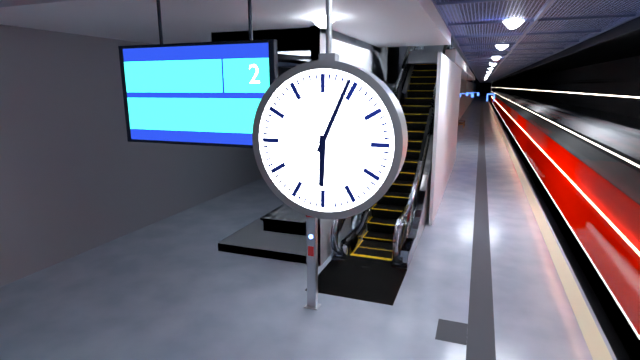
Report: {"hour": 6, "minute": 4}
